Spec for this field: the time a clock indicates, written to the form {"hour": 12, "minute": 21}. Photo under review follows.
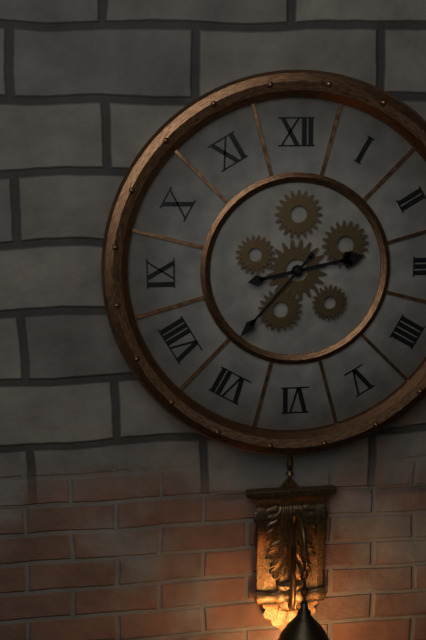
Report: {"hour": 2, "minute": 37}
